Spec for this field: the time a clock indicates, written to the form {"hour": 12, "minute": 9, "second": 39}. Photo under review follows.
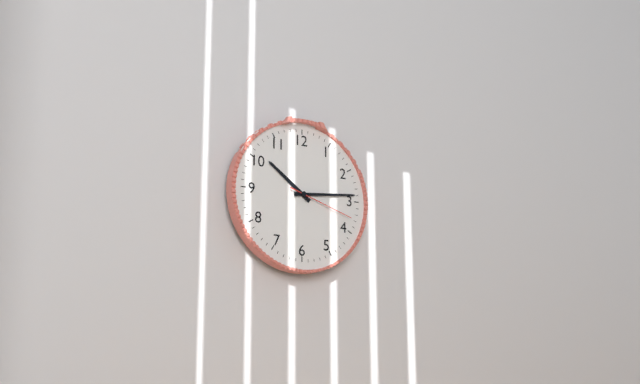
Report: {"hour": 10, "minute": 14, "second": 18}
